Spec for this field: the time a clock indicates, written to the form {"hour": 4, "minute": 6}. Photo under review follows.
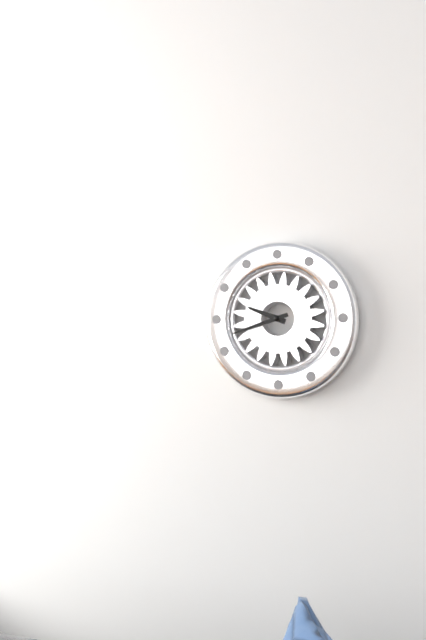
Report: {"hour": 9, "minute": 42}
